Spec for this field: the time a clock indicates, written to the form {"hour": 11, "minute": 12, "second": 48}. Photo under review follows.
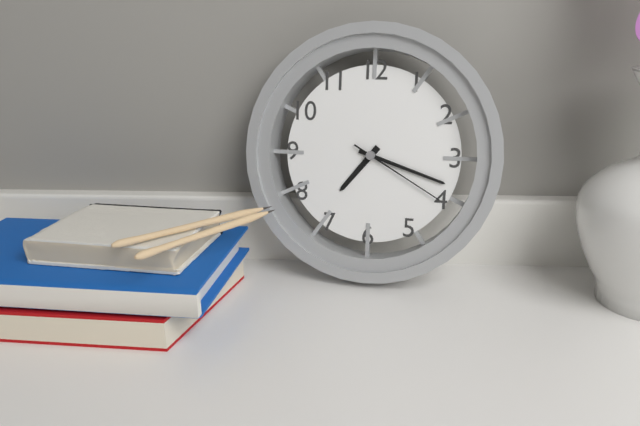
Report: {"hour": 7, "minute": 18, "second": 20}
